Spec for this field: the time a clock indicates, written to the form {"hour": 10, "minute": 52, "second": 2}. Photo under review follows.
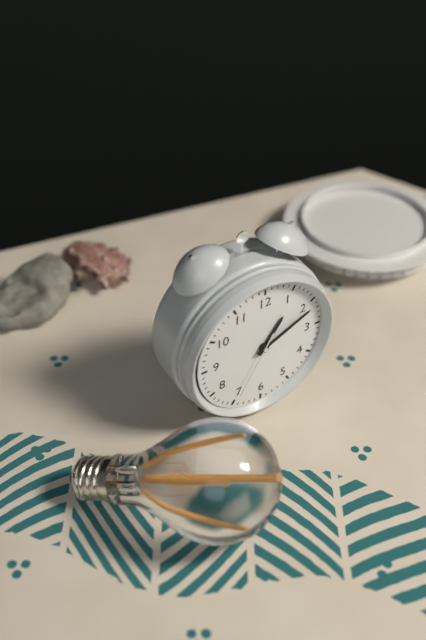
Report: {"hour": 1, "minute": 11, "second": 35}
